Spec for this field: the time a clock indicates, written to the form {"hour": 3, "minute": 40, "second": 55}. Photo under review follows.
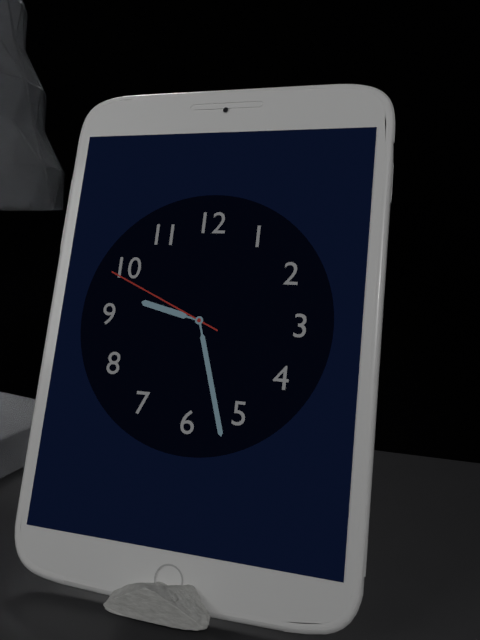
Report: {"hour": 9, "minute": 27, "second": 49}
